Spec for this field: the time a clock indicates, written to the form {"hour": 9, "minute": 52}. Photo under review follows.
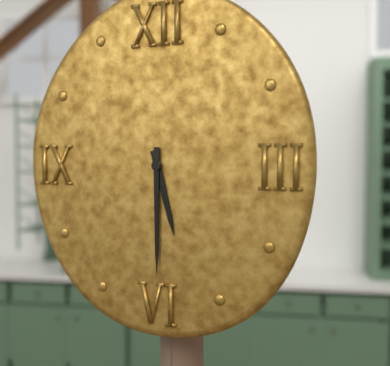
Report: {"hour": 5, "minute": 30}
